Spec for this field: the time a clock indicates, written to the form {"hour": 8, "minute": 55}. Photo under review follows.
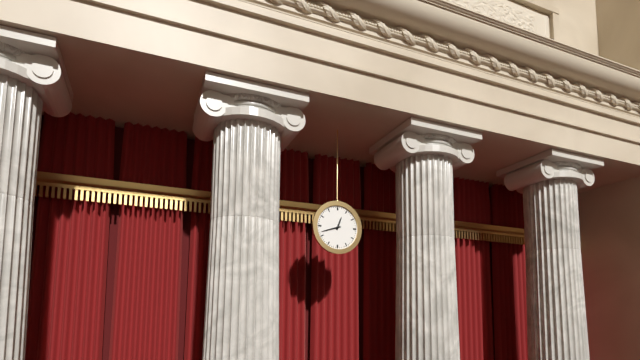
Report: {"hour": 12, "minute": 42}
